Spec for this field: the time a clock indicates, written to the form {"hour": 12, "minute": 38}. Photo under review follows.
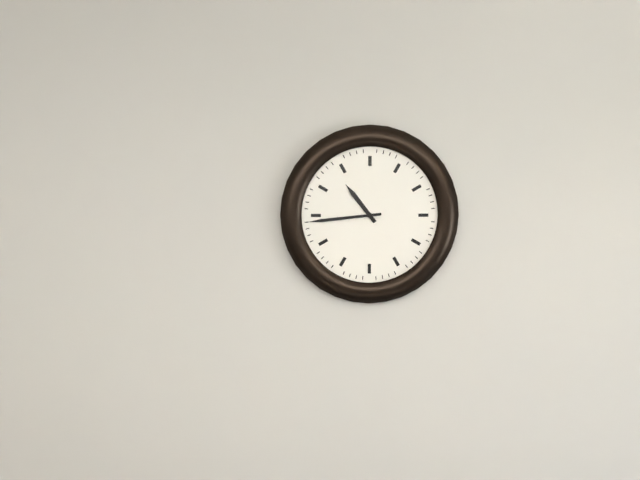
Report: {"hour": 10, "minute": 44}
